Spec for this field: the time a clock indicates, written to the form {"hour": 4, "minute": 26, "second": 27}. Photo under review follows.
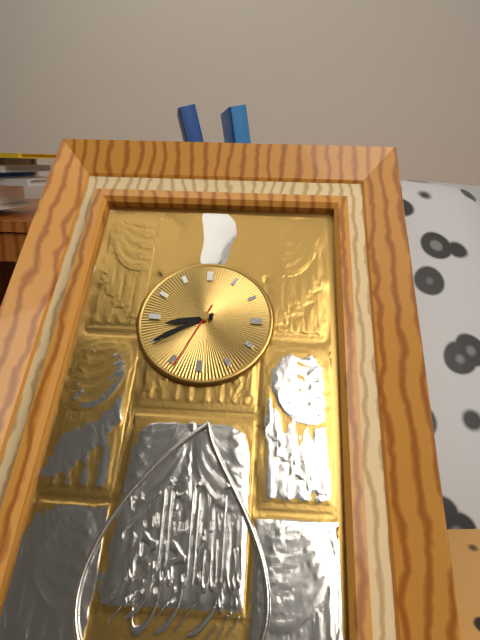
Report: {"hour": 8, "minute": 40, "second": 34}
